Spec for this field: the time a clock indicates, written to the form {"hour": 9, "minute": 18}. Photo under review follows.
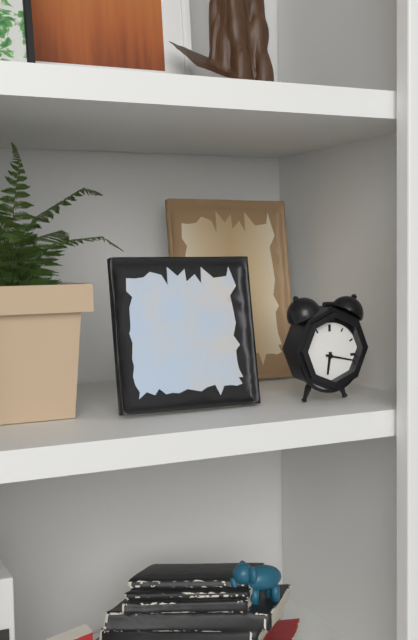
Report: {"hour": 6, "minute": 17}
